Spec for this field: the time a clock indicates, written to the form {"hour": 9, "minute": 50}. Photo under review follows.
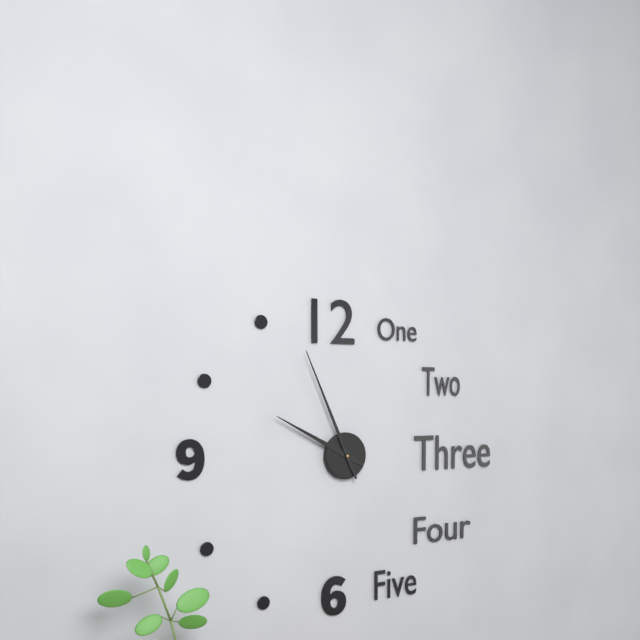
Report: {"hour": 9, "minute": 56}
